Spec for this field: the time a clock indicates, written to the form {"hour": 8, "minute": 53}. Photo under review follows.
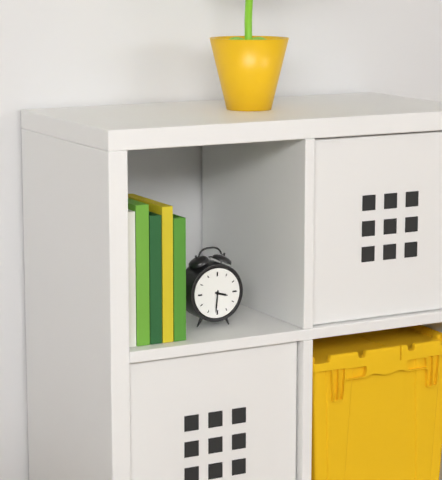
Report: {"hour": 3, "minute": 31}
